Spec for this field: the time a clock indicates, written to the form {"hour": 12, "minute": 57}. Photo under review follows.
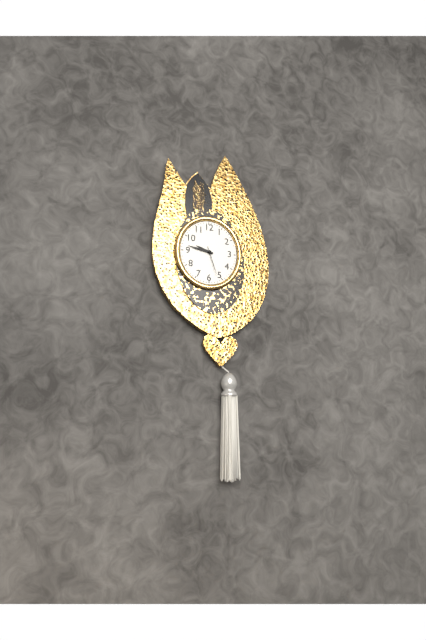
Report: {"hour": 9, "minute": 47}
